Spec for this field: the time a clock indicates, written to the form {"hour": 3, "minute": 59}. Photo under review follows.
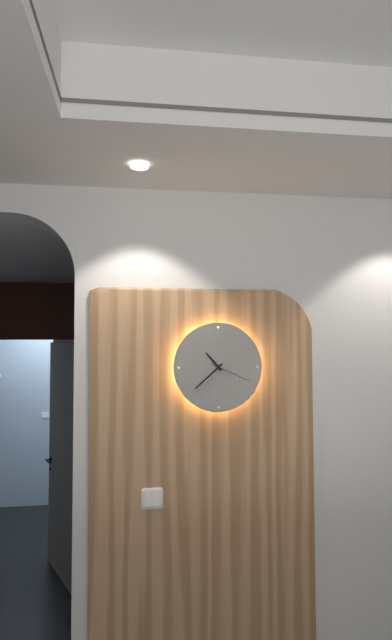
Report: {"hour": 10, "minute": 38}
